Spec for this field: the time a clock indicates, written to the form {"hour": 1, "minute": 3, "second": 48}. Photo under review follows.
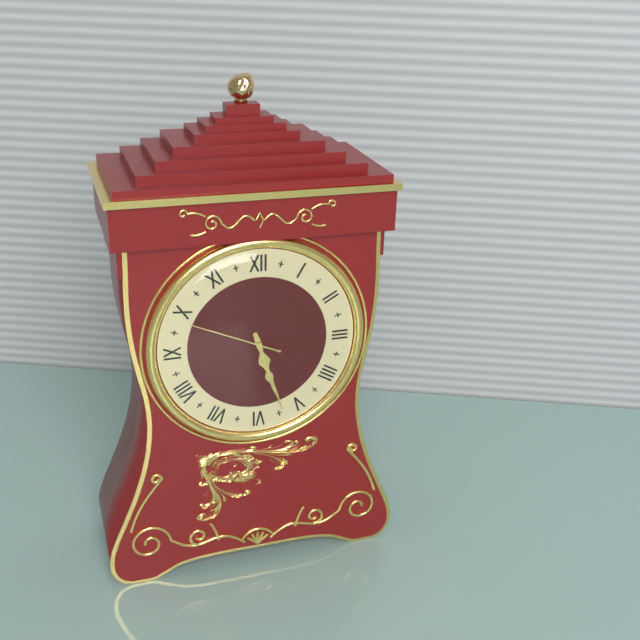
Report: {"hour": 5, "minute": 27, "second": 49}
